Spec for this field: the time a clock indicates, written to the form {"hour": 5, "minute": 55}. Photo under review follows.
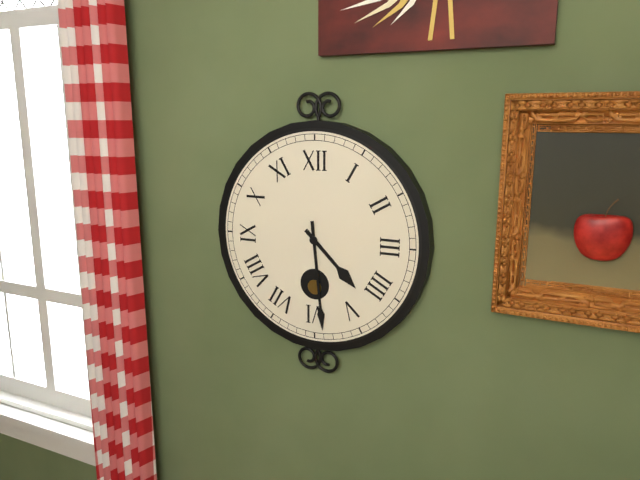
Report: {"hour": 4, "minute": 29}
